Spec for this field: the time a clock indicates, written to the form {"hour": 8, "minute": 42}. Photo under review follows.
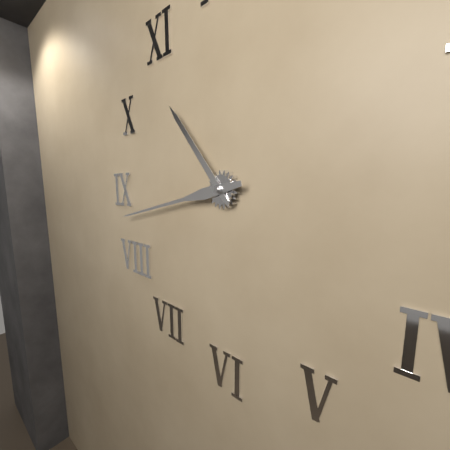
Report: {"hour": 10, "minute": 43}
